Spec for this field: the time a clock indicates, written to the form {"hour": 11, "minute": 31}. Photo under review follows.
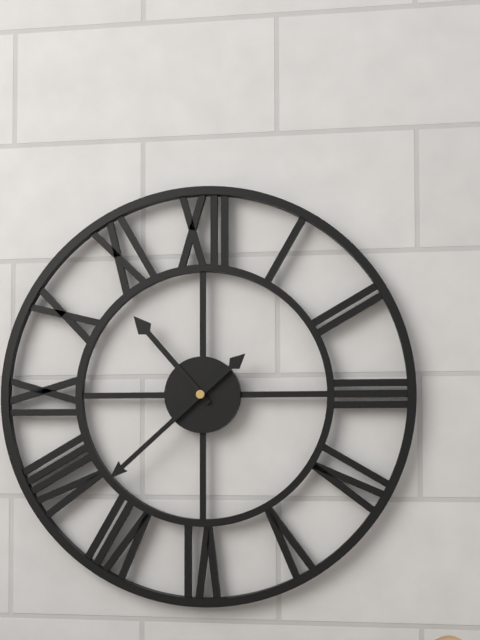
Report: {"hour": 10, "minute": 38}
